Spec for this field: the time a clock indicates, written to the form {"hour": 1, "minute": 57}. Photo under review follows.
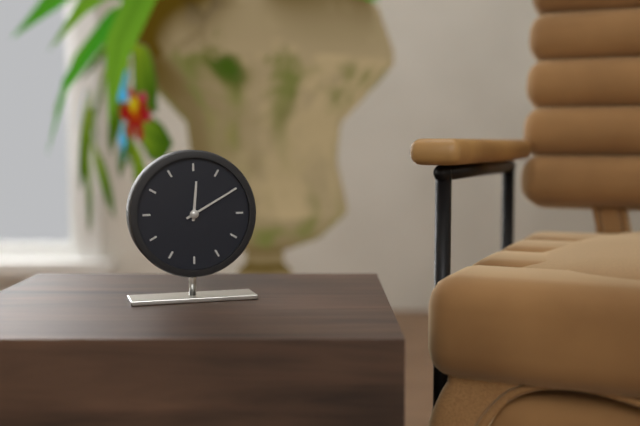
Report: {"hour": 12, "minute": 10}
